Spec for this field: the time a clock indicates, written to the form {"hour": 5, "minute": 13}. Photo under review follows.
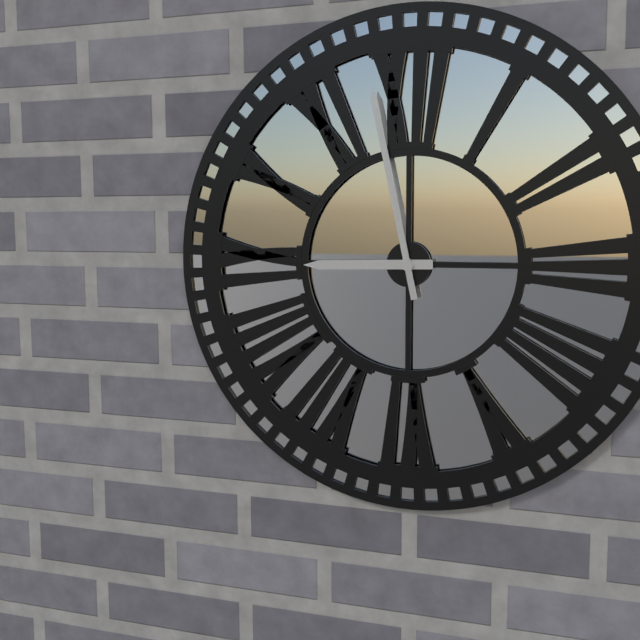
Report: {"hour": 8, "minute": 58}
